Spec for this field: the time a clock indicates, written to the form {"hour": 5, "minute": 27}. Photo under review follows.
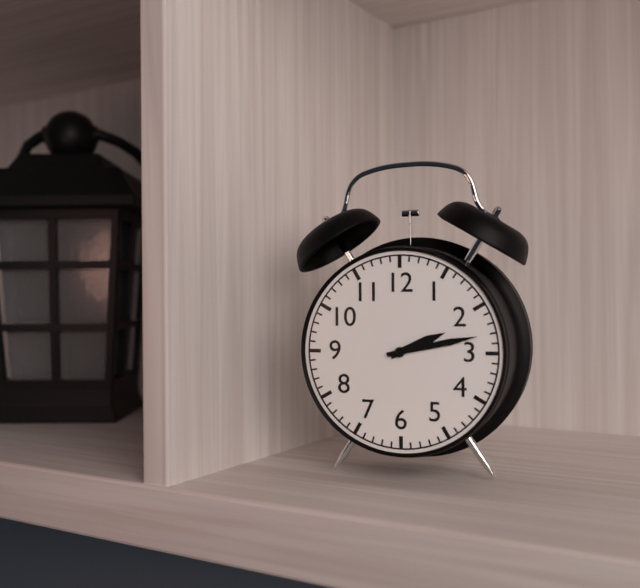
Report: {"hour": 2, "minute": 13}
